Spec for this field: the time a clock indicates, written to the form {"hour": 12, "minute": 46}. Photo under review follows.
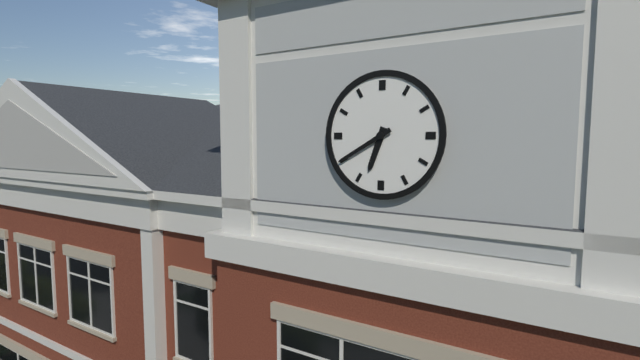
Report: {"hour": 6, "minute": 40}
